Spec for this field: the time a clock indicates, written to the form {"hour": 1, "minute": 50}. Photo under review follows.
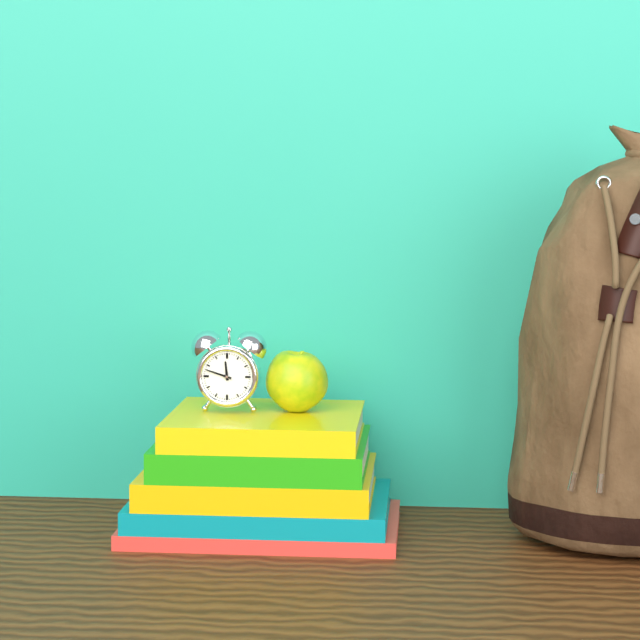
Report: {"hour": 11, "minute": 48}
